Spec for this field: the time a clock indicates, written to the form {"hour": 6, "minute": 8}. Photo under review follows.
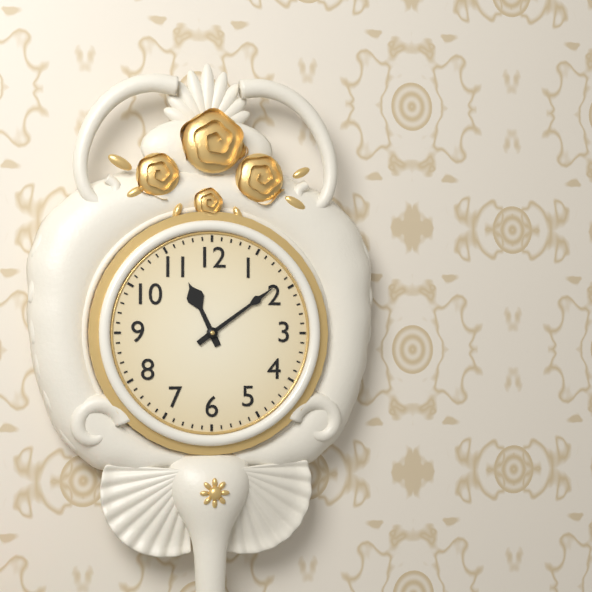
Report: {"hour": 11, "minute": 9}
